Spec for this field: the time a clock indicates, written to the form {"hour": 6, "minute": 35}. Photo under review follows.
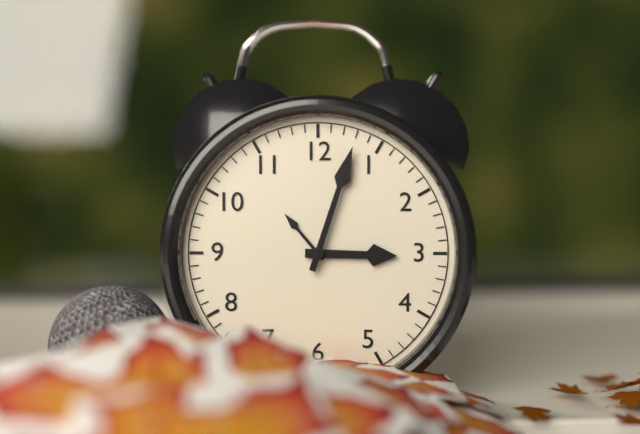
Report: {"hour": 3, "minute": 3}
